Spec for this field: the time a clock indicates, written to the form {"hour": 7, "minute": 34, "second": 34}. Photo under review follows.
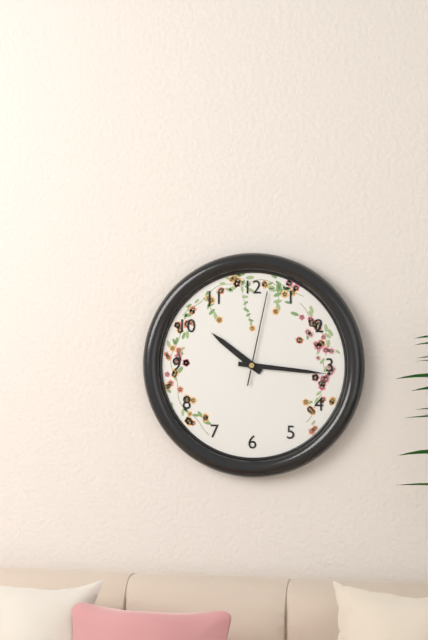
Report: {"hour": 10, "minute": 16, "second": 2}
